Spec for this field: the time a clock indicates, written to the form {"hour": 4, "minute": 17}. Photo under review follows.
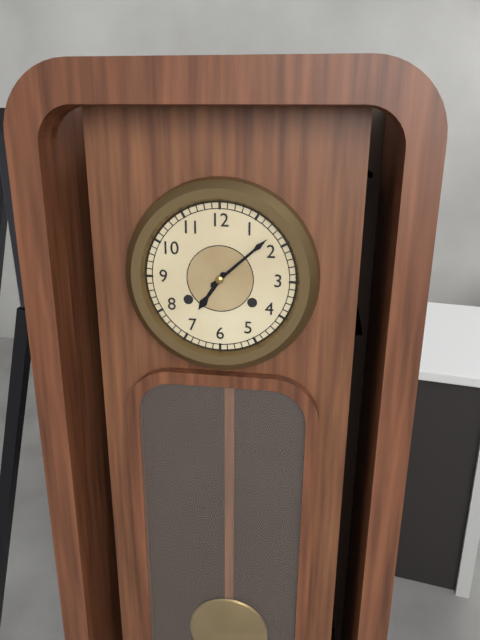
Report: {"hour": 7, "minute": 8}
